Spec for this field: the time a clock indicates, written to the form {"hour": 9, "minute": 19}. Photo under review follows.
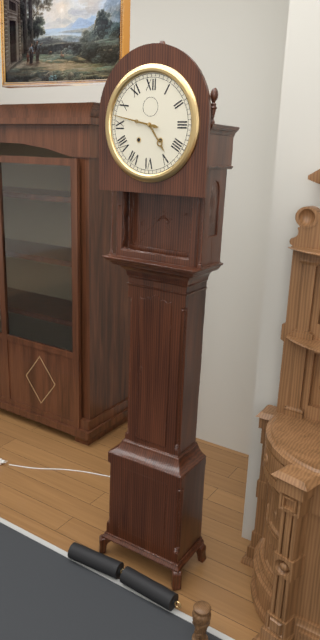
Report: {"hour": 4, "minute": 47}
